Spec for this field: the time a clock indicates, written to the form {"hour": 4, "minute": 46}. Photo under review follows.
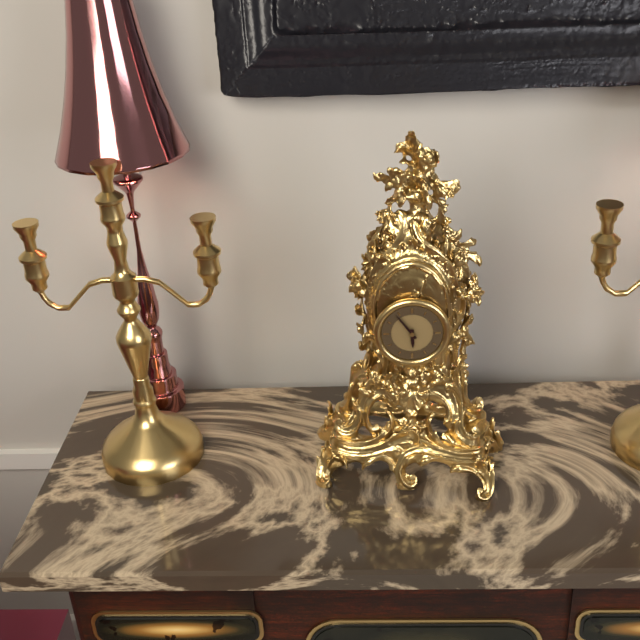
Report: {"hour": 5, "minute": 54}
